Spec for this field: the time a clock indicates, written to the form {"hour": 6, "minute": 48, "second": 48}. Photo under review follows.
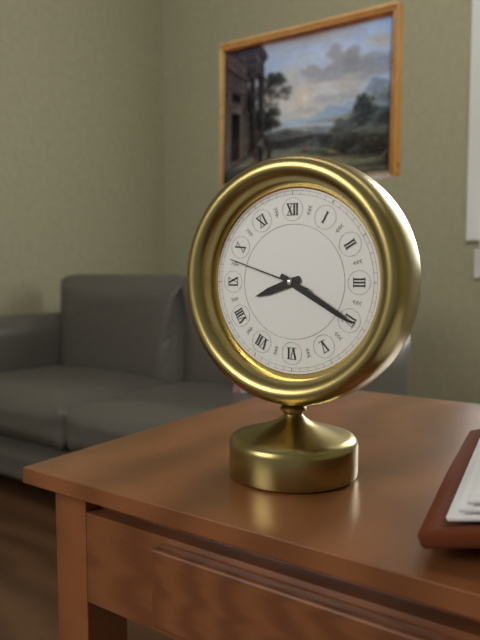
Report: {"hour": 8, "minute": 20, "second": 48}
